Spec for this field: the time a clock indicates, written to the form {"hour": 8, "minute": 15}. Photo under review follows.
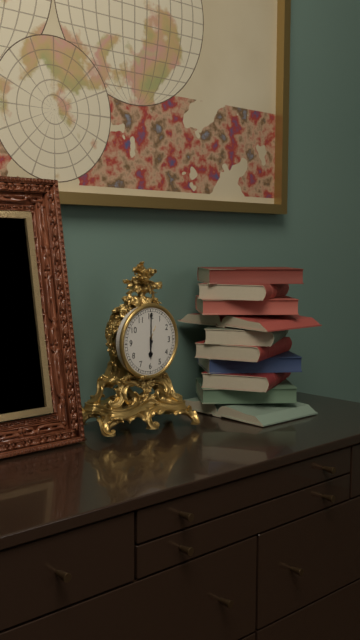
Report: {"hour": 6, "minute": 0}
